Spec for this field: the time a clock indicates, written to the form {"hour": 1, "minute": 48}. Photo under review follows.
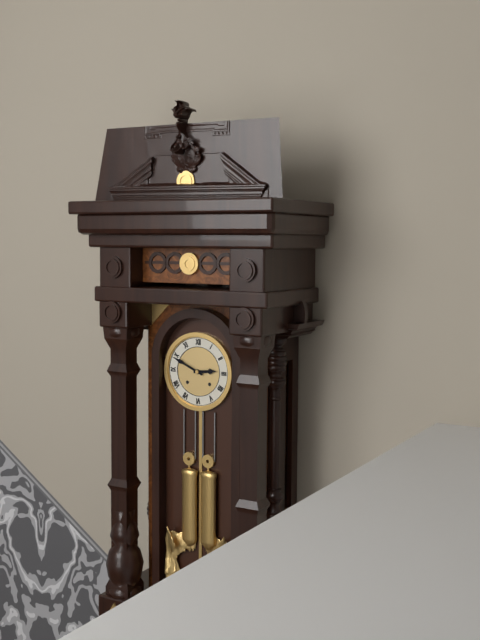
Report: {"hour": 2, "minute": 49}
